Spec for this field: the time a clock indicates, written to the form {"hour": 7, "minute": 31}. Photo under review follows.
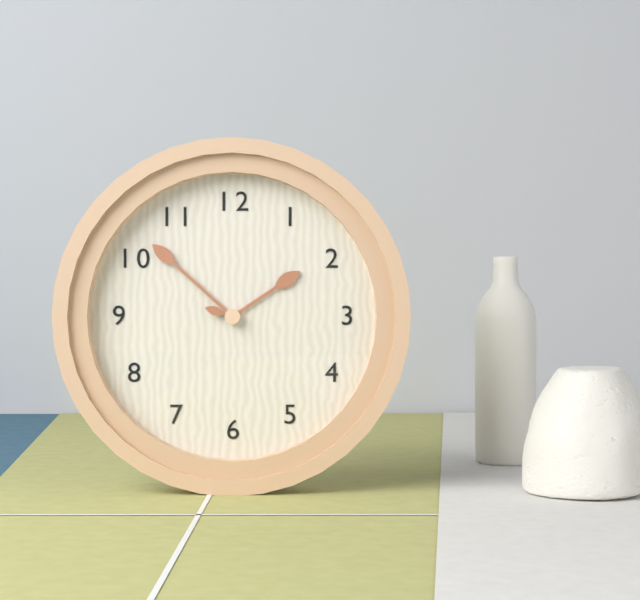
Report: {"hour": 1, "minute": 52}
